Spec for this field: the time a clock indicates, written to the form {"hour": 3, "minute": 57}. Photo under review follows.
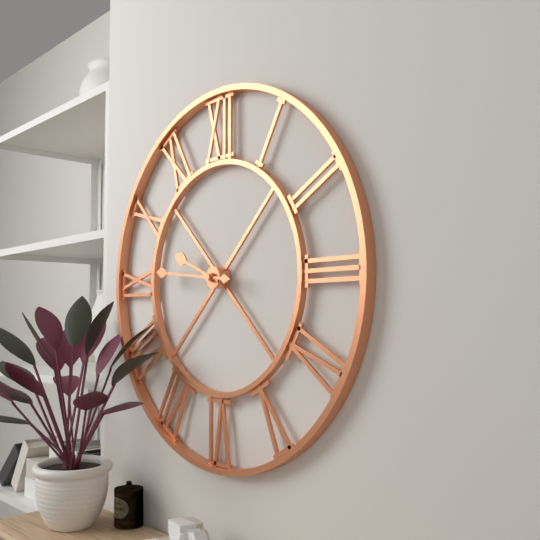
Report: {"hour": 9, "minute": 46}
